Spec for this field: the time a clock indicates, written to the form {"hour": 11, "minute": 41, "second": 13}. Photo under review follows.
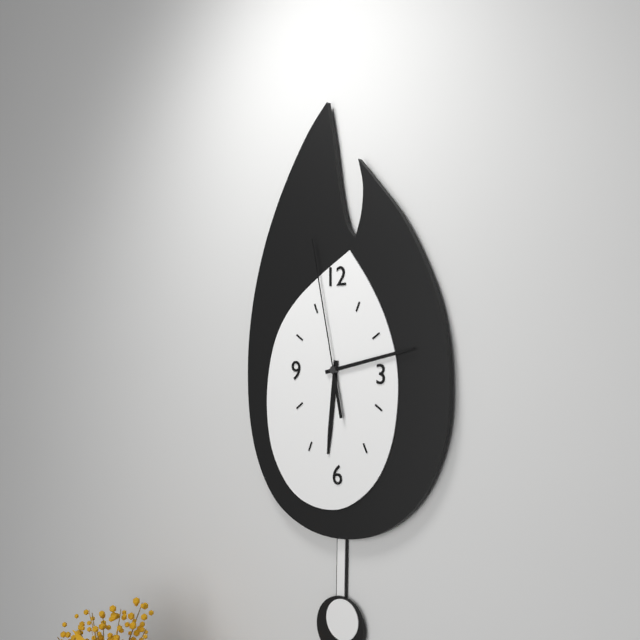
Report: {"hour": 6, "minute": 13, "second": 58}
